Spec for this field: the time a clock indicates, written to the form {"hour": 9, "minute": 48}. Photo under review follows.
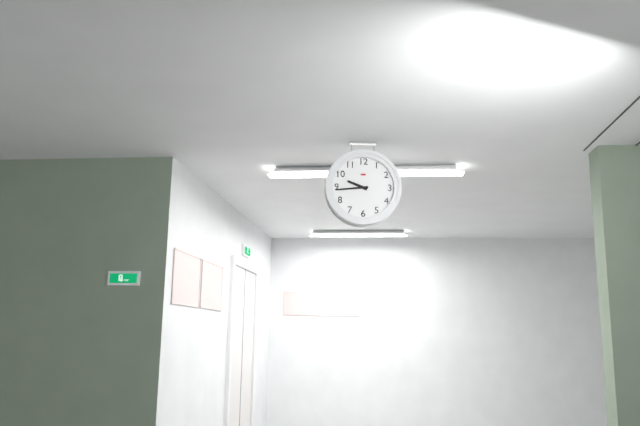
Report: {"hour": 9, "minute": 44}
